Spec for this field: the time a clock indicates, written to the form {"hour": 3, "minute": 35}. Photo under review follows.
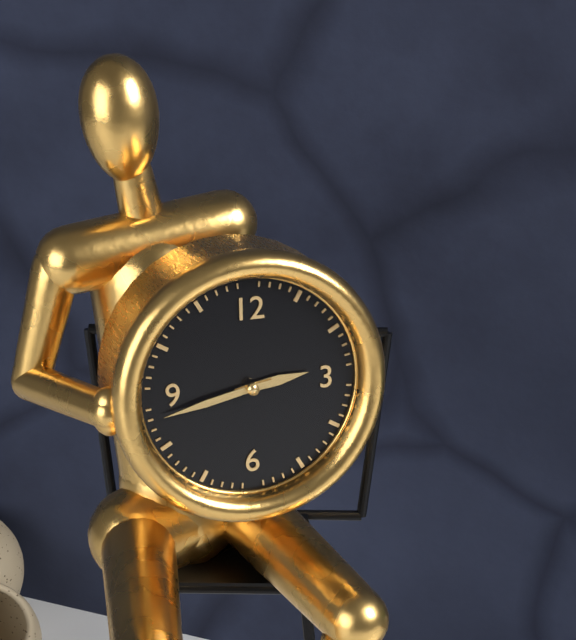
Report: {"hour": 2, "minute": 43}
